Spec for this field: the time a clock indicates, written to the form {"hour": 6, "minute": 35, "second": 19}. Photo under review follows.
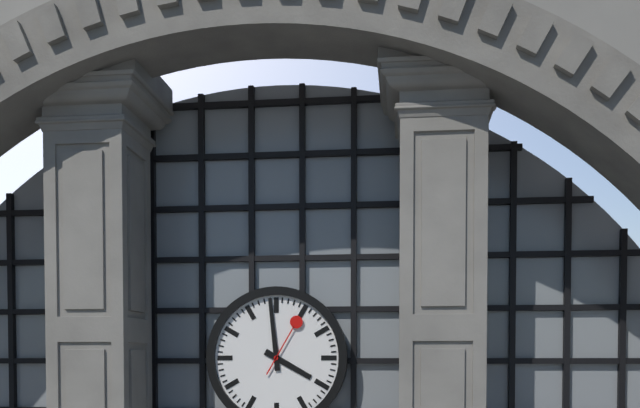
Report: {"hour": 3, "minute": 59, "second": 5}
